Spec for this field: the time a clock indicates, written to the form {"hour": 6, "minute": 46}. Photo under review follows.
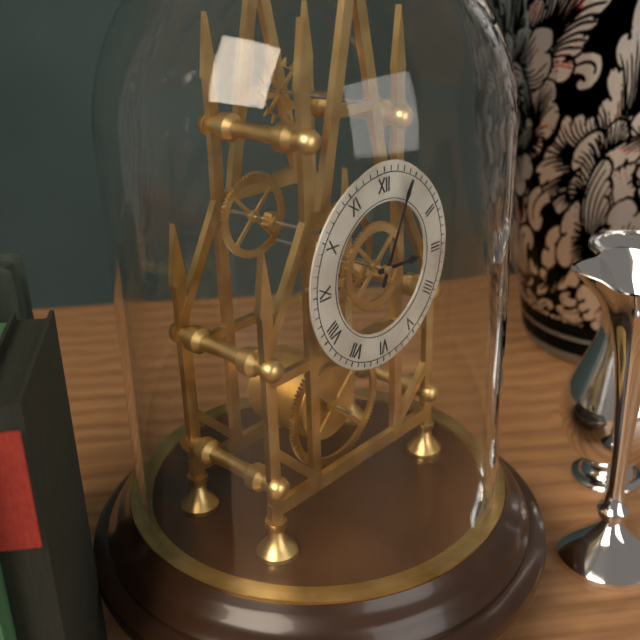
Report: {"hour": 3, "minute": 4}
